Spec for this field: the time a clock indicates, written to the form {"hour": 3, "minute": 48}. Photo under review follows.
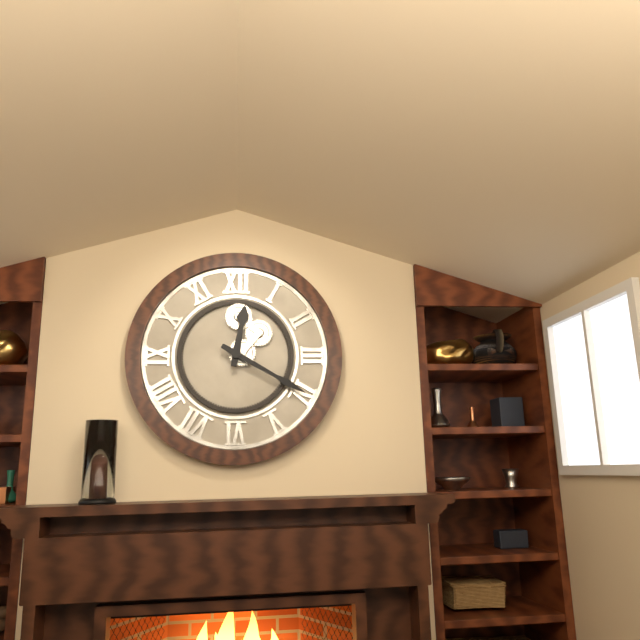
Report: {"hour": 12, "minute": 20}
